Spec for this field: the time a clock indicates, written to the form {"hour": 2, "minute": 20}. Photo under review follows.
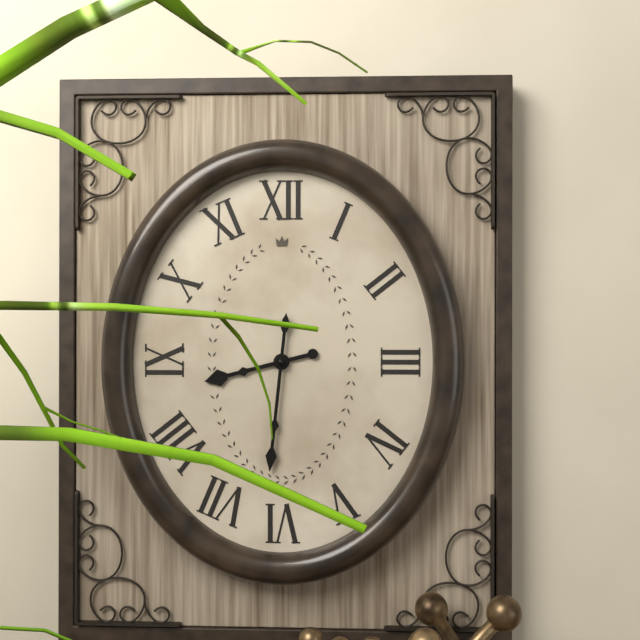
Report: {"hour": 8, "minute": 31}
